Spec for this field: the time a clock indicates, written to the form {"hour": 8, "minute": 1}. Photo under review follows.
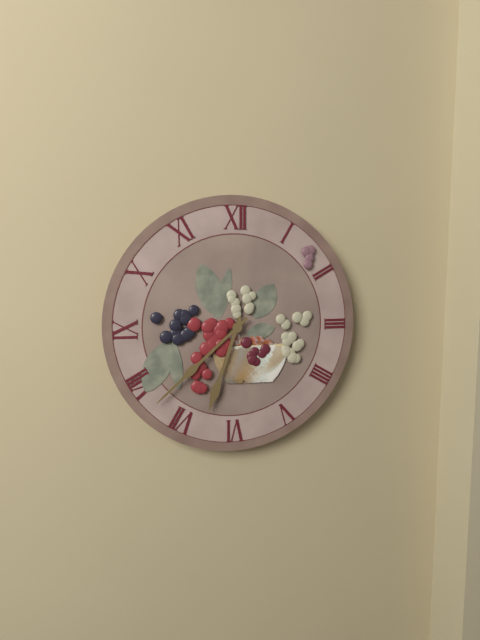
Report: {"hour": 6, "minute": 38}
